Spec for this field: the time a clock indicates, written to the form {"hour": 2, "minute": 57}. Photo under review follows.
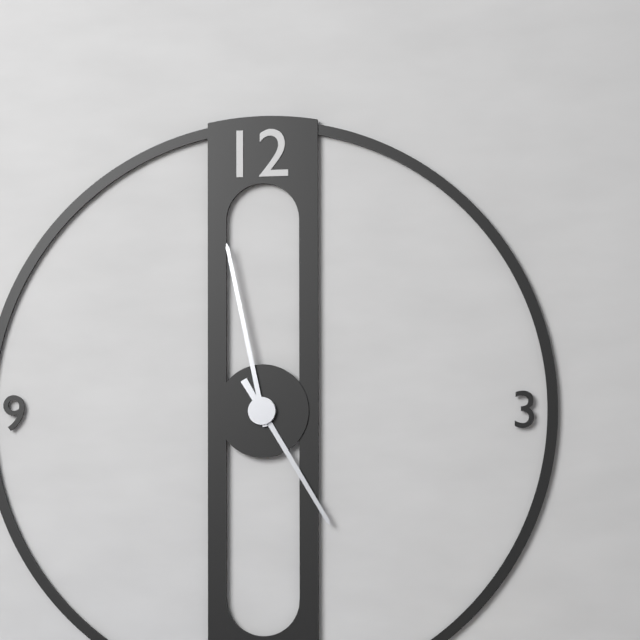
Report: {"hour": 4, "minute": 58}
